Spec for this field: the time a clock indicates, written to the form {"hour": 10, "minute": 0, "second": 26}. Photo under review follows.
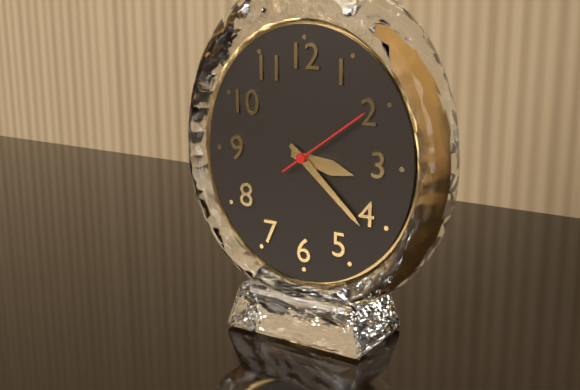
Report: {"hour": 3, "minute": 22, "second": 9}
